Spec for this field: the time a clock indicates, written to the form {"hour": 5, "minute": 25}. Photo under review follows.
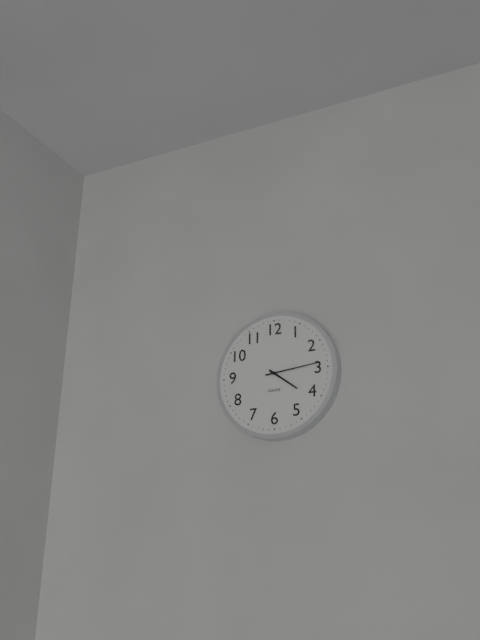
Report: {"hour": 4, "minute": 14}
